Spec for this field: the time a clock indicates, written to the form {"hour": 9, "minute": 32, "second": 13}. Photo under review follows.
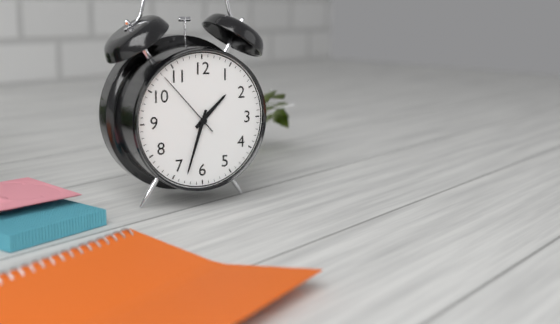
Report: {"hour": 1, "minute": 33, "second": 53}
